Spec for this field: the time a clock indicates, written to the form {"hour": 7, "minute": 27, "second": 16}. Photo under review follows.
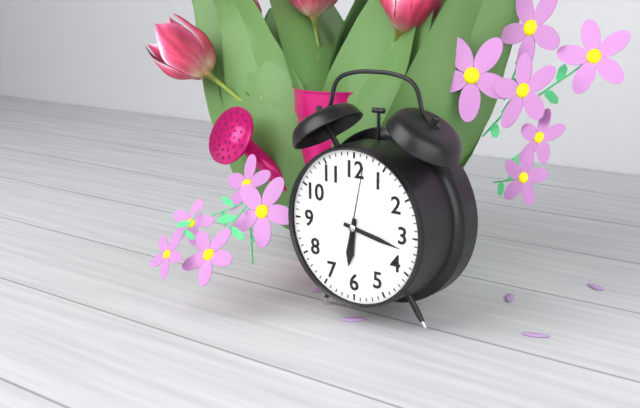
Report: {"hour": 6, "minute": 17, "second": 2}
